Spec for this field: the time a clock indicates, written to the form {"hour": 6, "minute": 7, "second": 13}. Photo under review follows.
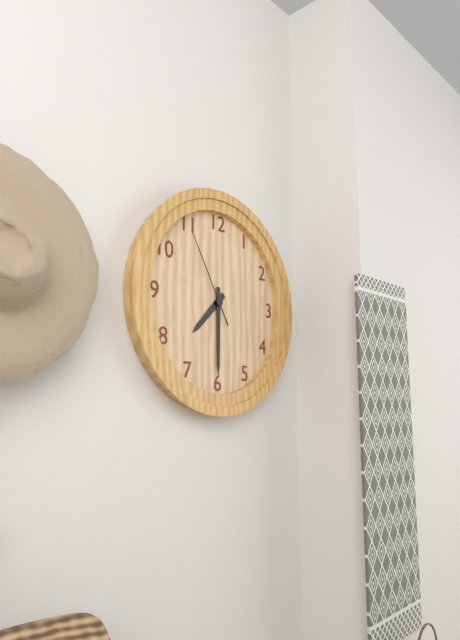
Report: {"hour": 7, "minute": 30, "second": 55}
